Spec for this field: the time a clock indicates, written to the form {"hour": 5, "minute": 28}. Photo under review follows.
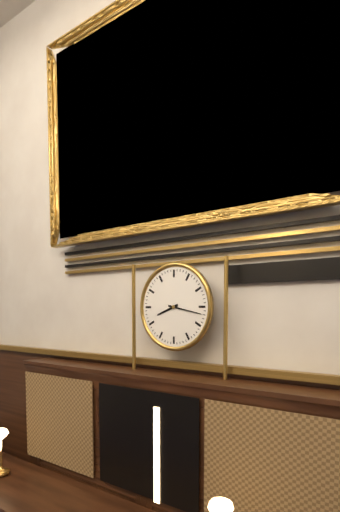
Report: {"hour": 8, "minute": 17}
